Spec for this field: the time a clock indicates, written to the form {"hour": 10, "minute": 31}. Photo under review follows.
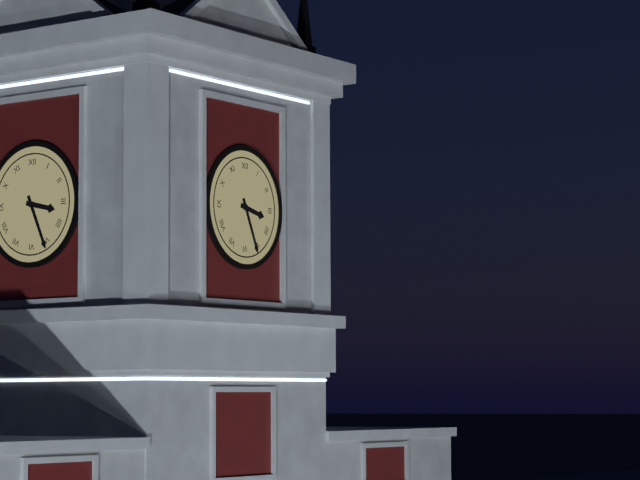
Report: {"hour": 3, "minute": 26}
